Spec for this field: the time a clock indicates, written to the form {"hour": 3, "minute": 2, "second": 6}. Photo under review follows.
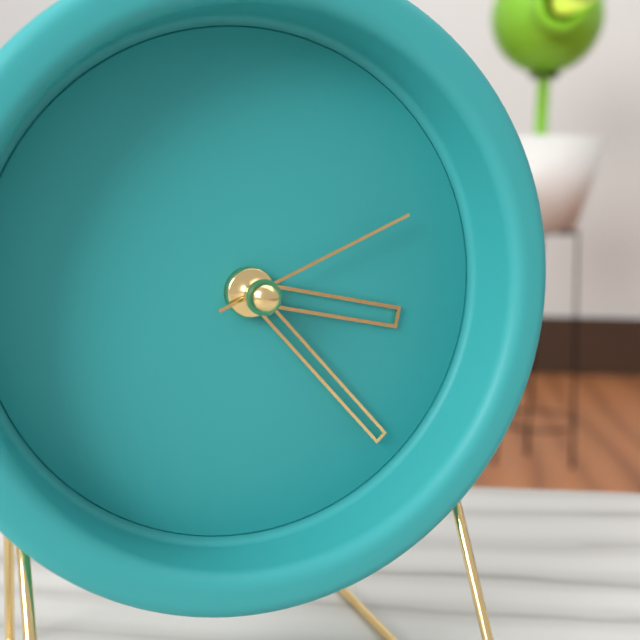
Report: {"hour": 3, "minute": 23, "second": 11}
